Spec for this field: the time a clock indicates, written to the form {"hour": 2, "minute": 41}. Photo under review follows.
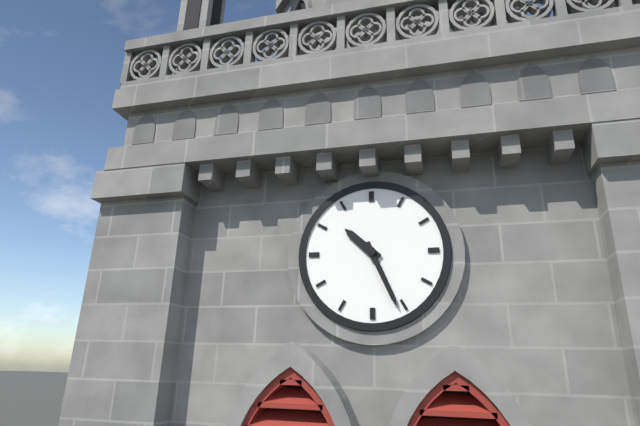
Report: {"hour": 10, "minute": 26}
